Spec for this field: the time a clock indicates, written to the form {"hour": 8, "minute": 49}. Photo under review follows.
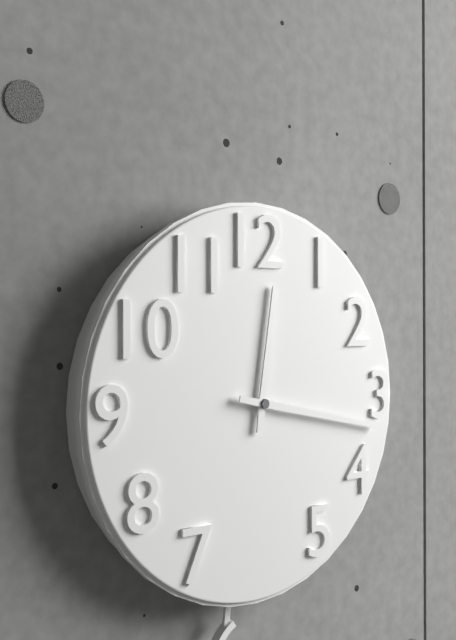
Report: {"hour": 12, "minute": 17}
